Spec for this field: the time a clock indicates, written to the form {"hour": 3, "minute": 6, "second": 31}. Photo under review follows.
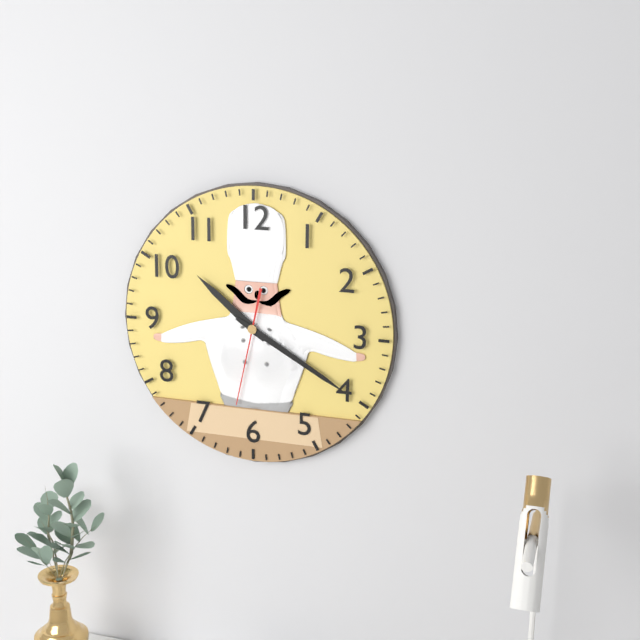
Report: {"hour": 10, "minute": 20, "second": 32}
